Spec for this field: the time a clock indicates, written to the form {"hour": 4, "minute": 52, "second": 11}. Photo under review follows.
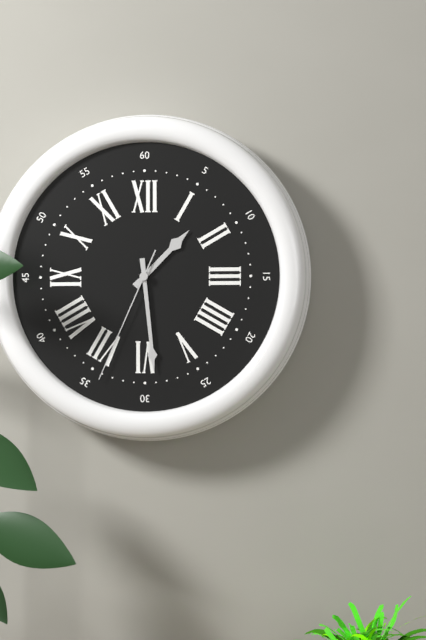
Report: {"hour": 1, "minute": 29, "second": 34}
